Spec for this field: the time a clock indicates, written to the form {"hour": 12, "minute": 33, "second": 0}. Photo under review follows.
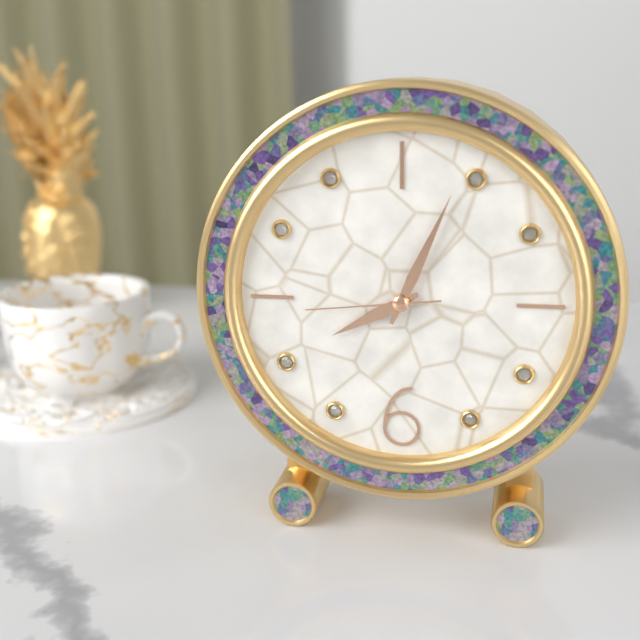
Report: {"hour": 8, "minute": 4, "second": 44}
